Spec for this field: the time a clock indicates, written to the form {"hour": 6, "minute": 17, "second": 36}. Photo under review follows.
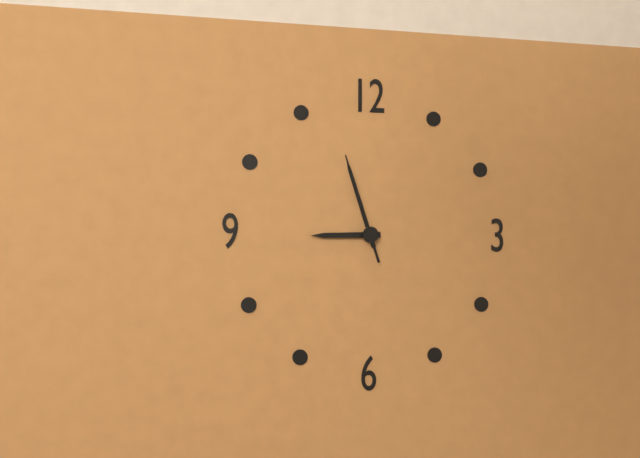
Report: {"hour": 8, "minute": 57, "second": 57}
